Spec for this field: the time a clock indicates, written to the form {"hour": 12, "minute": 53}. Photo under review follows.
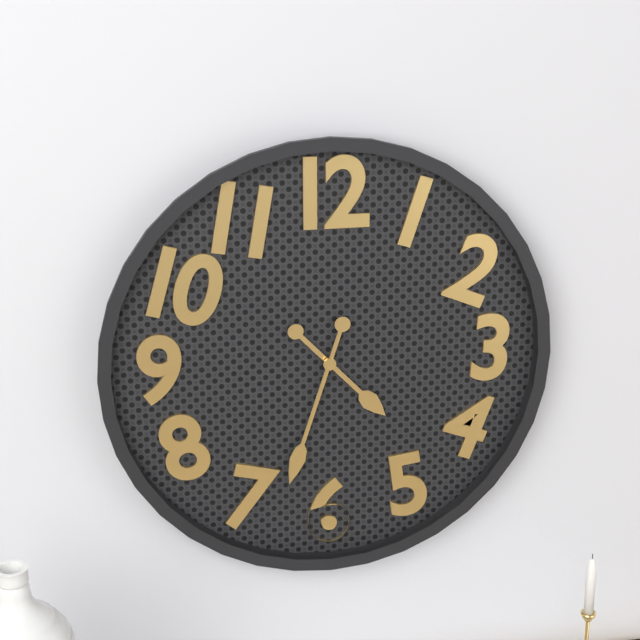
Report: {"hour": 4, "minute": 33}
